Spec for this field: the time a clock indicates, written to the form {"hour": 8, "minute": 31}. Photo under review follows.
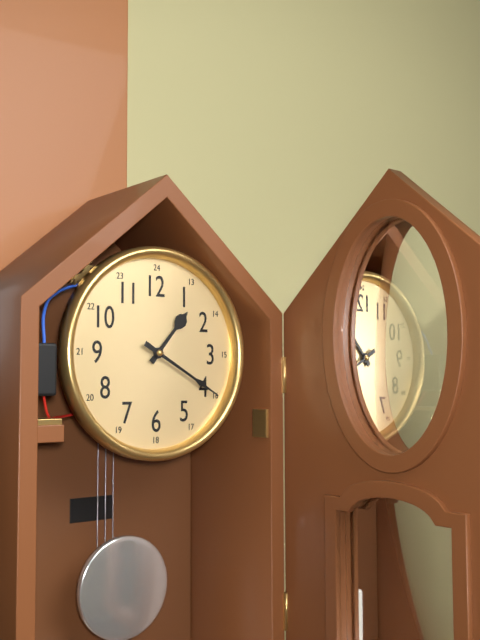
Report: {"hour": 1, "minute": 20}
